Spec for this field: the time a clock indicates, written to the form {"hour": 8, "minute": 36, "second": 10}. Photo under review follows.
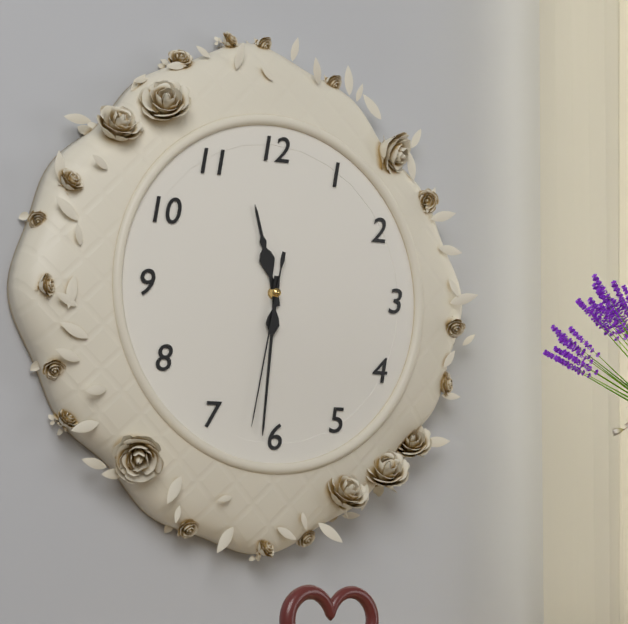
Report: {"hour": 11, "minute": 31, "second": 32}
